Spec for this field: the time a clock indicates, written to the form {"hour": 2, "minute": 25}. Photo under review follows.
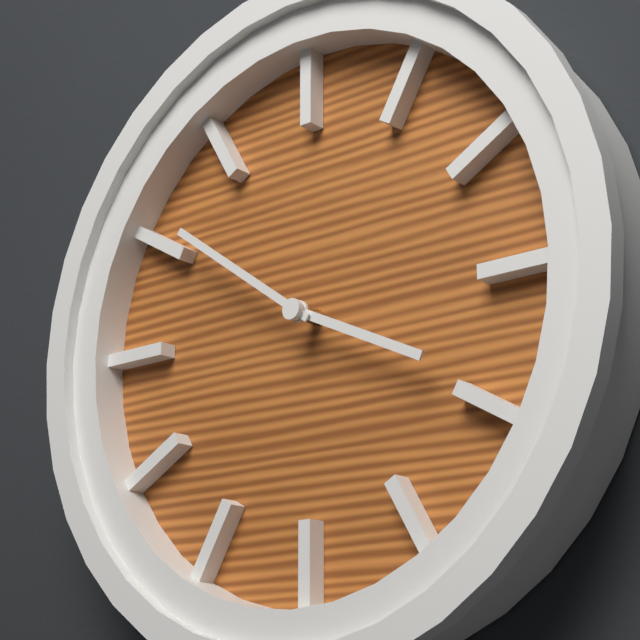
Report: {"hour": 3, "minute": 51}
